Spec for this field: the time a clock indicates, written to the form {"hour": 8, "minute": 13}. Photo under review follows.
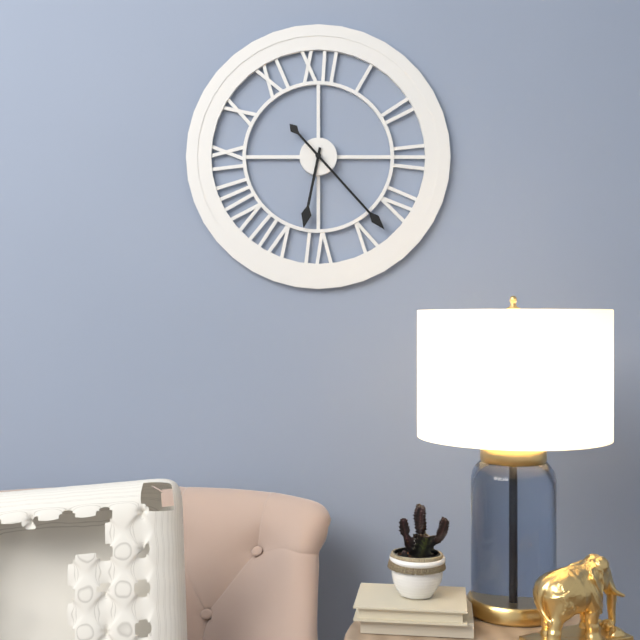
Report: {"hour": 6, "minute": 23}
